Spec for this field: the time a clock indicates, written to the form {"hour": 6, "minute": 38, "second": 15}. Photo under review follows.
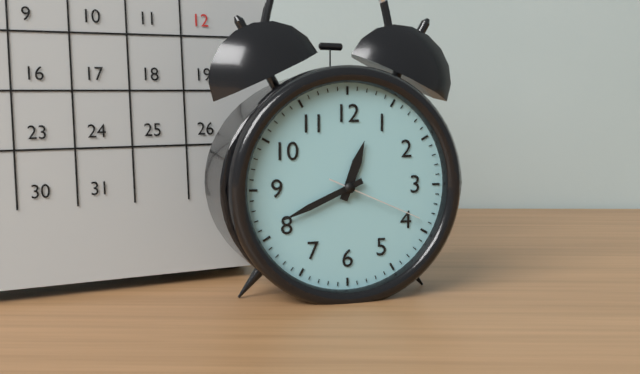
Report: {"hour": 12, "minute": 41, "second": 19}
